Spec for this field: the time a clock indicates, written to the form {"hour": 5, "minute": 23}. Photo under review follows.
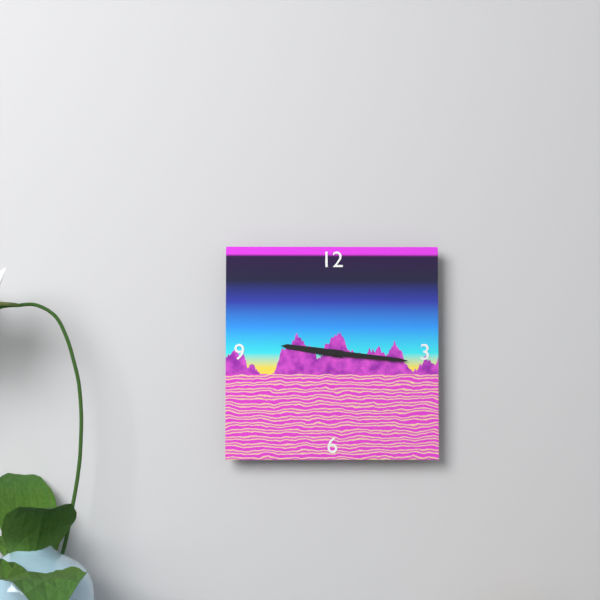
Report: {"hour": 9, "minute": 16}
